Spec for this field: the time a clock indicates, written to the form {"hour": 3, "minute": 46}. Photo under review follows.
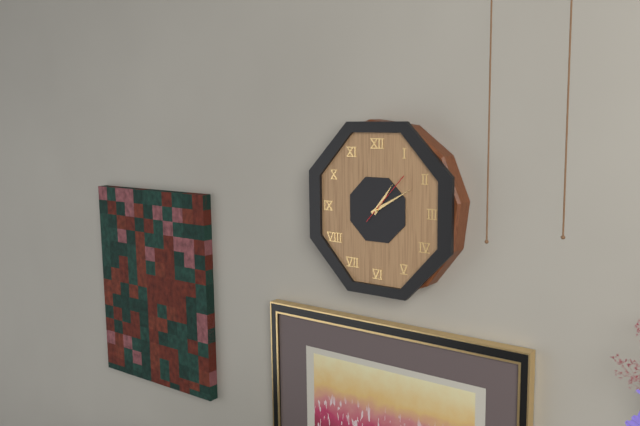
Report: {"hour": 1, "minute": 10}
